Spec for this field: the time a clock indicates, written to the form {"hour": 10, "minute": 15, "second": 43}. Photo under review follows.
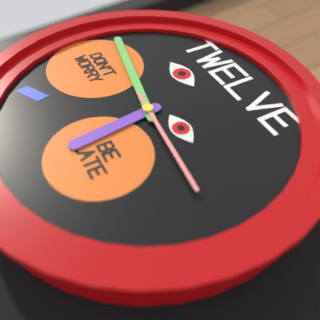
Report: {"hour": 5, "minute": 47, "second": 16}
